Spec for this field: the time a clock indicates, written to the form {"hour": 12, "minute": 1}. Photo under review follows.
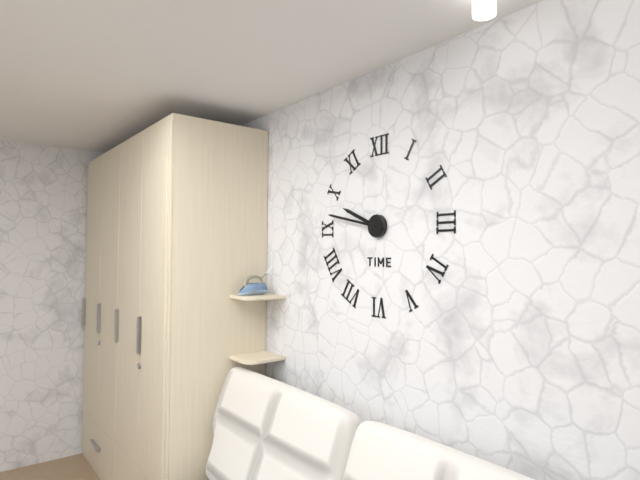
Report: {"hour": 9, "minute": 47}
